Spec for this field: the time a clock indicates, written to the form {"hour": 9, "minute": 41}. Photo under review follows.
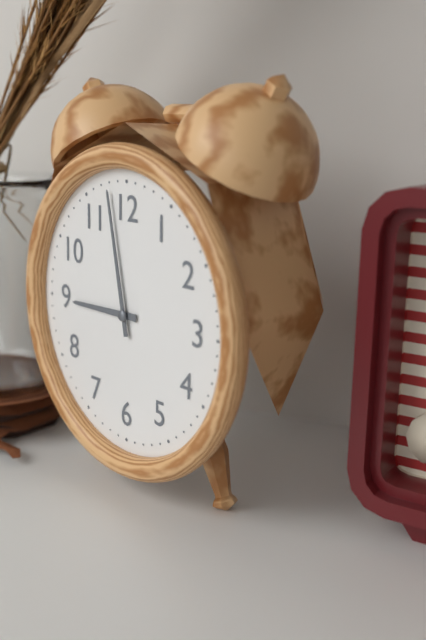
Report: {"hour": 8, "minute": 58}
